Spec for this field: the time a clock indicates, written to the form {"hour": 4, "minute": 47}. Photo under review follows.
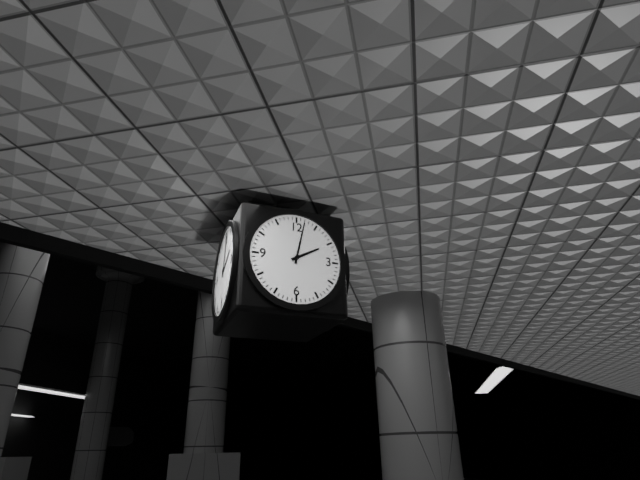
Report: {"hour": 2, "minute": 2}
